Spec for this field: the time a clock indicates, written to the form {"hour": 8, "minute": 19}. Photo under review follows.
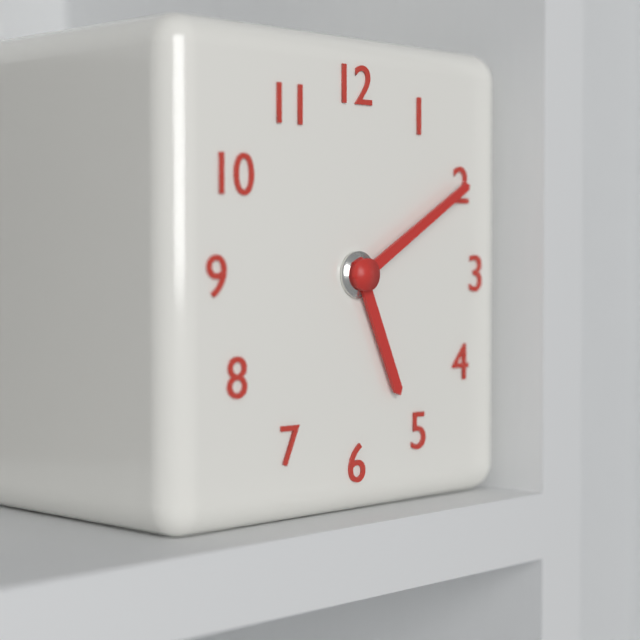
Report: {"hour": 5, "minute": 10}
